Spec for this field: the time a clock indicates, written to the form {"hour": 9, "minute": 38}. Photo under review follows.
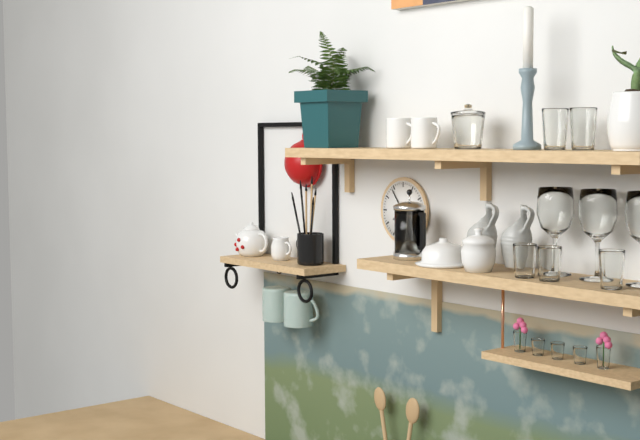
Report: {"hour": 7, "minute": 54}
